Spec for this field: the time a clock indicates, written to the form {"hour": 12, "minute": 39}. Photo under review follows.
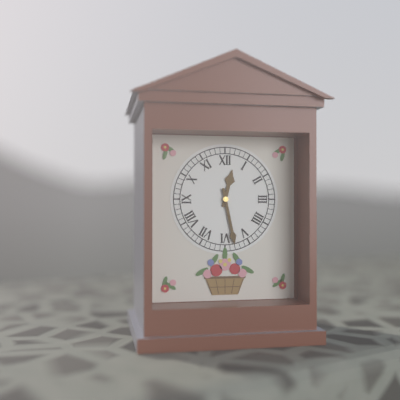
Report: {"hour": 12, "minute": 28}
